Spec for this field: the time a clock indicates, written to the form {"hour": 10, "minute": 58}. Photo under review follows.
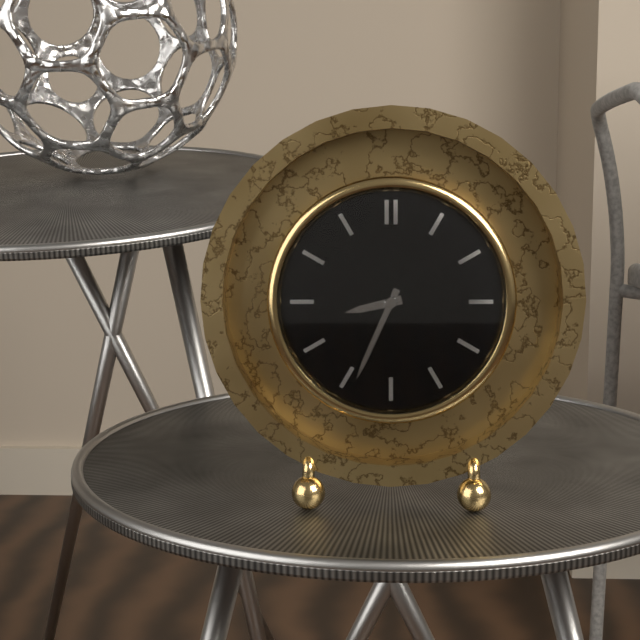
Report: {"hour": 8, "minute": 34}
